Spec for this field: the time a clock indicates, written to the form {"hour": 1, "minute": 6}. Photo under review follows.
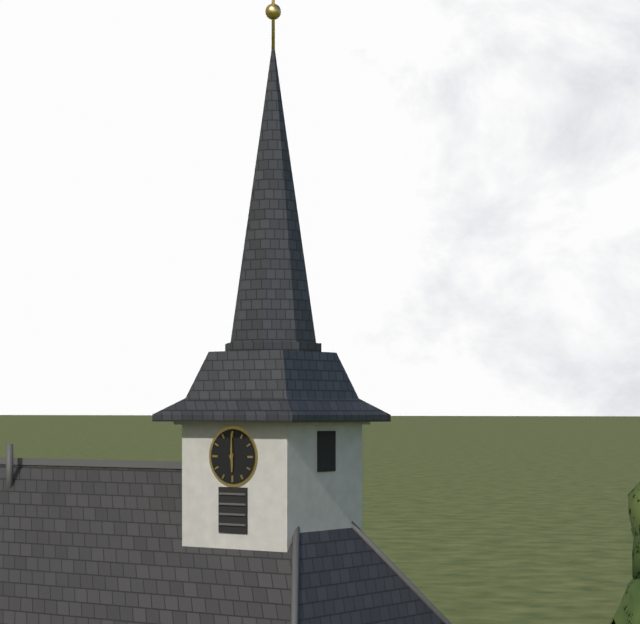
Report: {"hour": 6, "minute": 0}
